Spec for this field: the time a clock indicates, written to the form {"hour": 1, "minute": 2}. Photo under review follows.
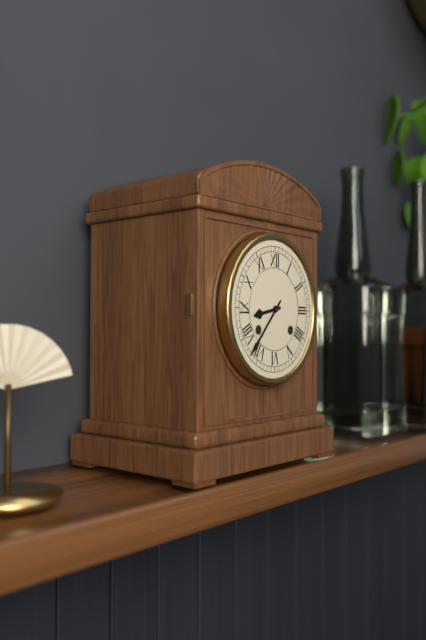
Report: {"hour": 8, "minute": 37}
